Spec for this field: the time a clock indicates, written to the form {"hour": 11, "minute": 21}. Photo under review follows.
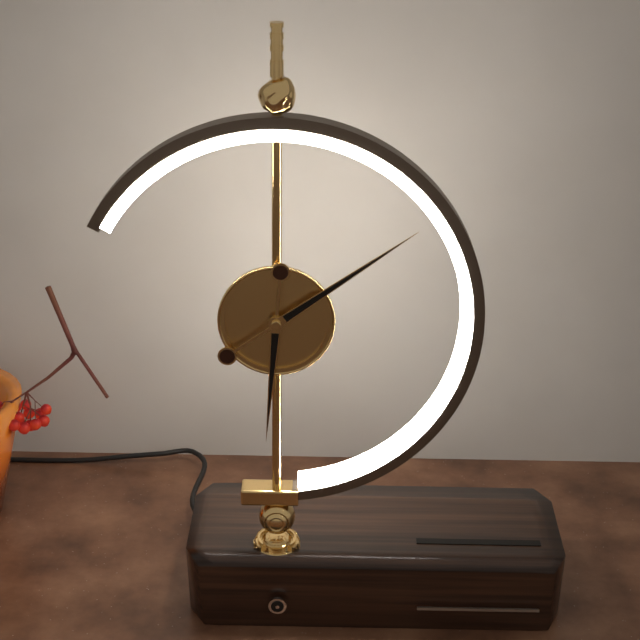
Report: {"hour": 6, "minute": 9}
